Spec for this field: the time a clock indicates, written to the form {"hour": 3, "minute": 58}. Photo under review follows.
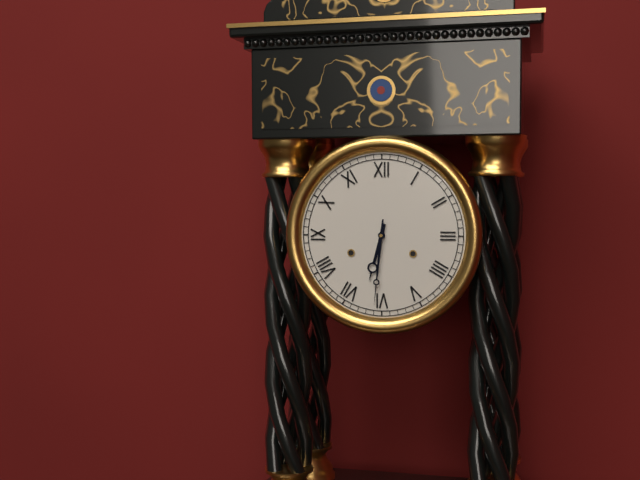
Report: {"hour": 6, "minute": 31}
